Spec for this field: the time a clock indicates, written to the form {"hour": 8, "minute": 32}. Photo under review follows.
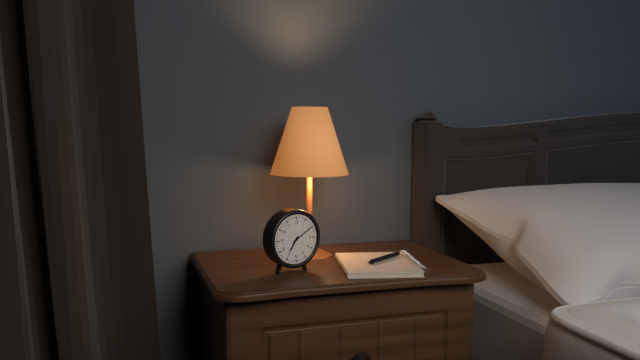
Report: {"hour": 7, "minute": 10}
